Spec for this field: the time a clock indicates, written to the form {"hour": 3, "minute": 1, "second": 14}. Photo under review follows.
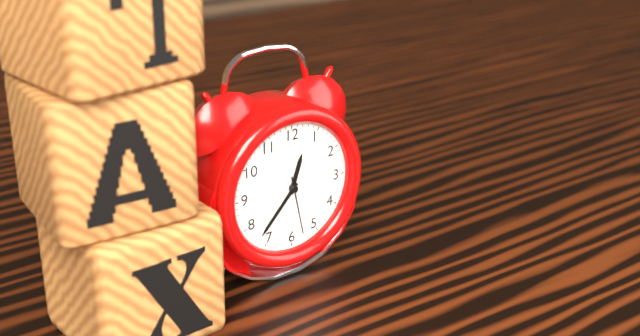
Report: {"hour": 12, "minute": 37, "second": 28}
